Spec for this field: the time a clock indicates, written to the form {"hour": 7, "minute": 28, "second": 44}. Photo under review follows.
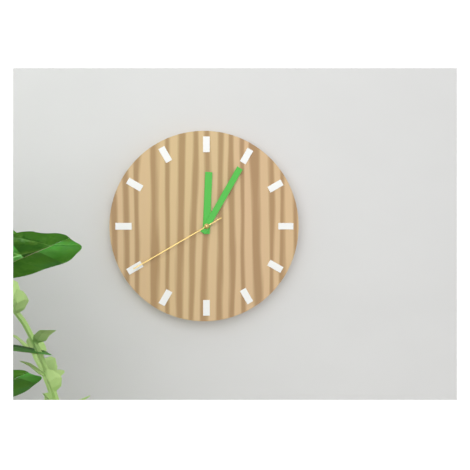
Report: {"hour": 12, "minute": 5, "second": 40}
